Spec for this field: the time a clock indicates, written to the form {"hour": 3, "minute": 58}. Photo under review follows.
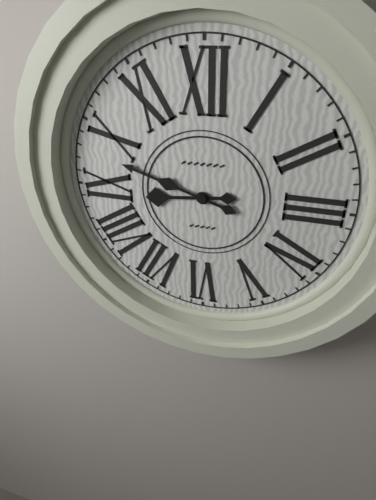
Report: {"hour": 8, "minute": 48}
